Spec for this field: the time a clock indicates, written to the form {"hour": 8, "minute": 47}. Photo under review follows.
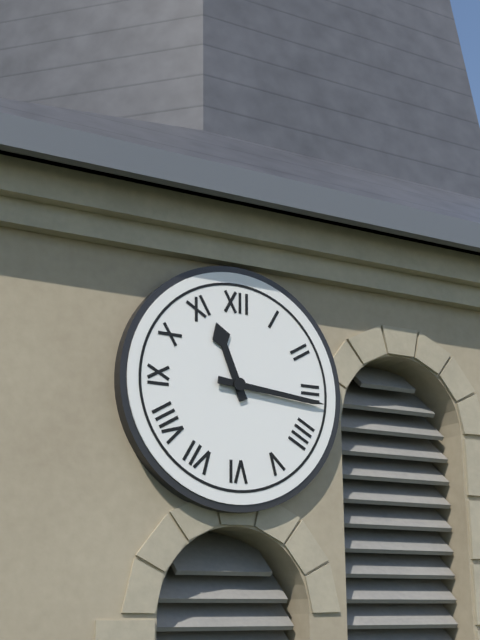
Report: {"hour": 11, "minute": 16}
